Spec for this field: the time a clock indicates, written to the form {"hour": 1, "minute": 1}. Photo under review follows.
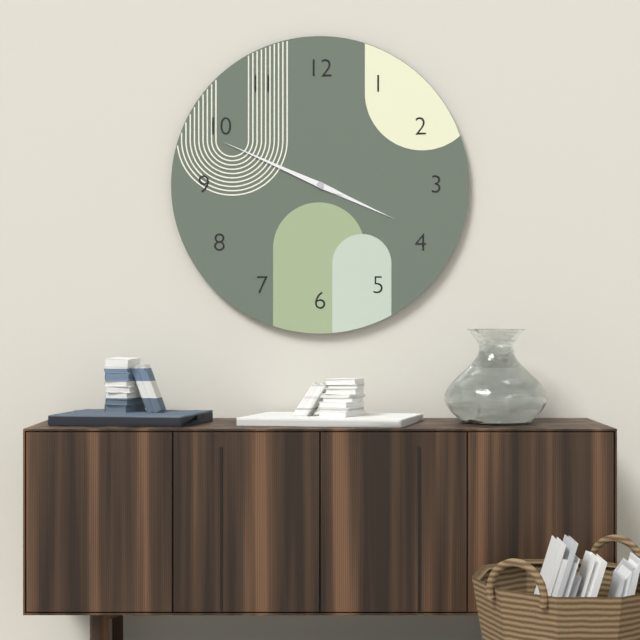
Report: {"hour": 3, "minute": 49}
